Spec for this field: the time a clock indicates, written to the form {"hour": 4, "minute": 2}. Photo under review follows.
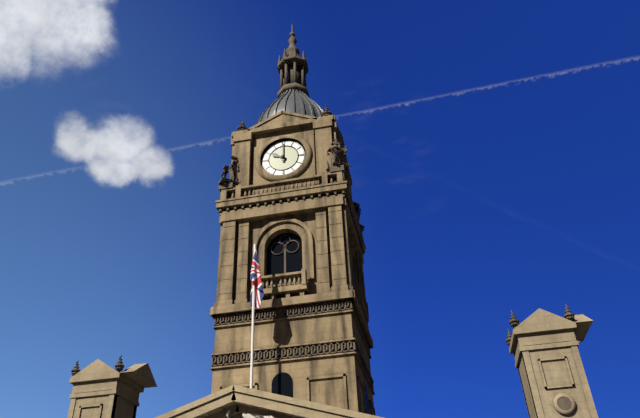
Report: {"hour": 10, "minute": 0}
